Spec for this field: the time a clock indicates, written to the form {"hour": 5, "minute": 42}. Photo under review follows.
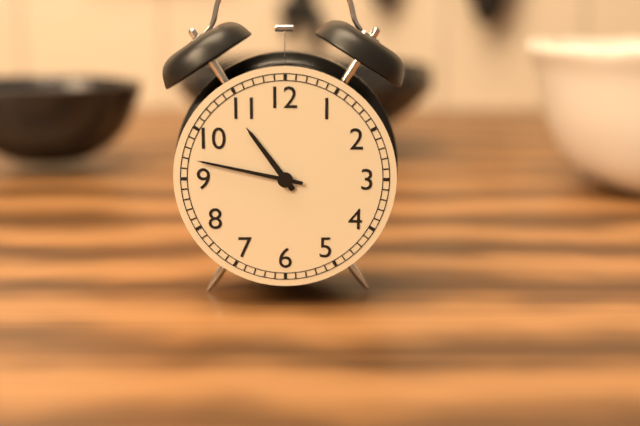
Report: {"hour": 10, "minute": 47}
